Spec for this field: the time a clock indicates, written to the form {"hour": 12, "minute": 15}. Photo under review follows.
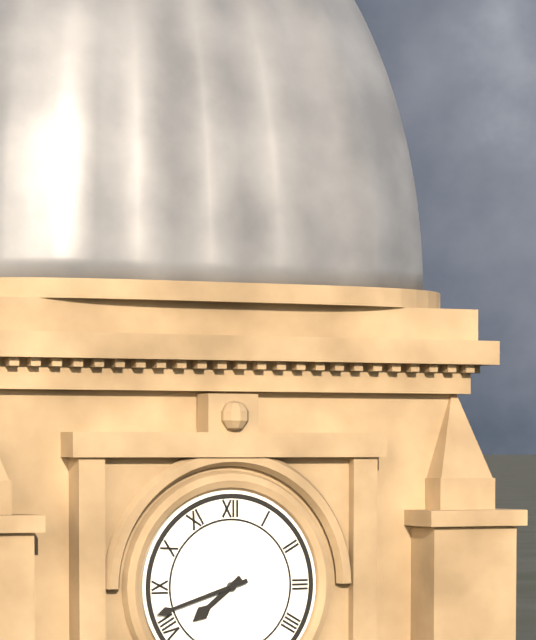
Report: {"hour": 7, "minute": 42}
